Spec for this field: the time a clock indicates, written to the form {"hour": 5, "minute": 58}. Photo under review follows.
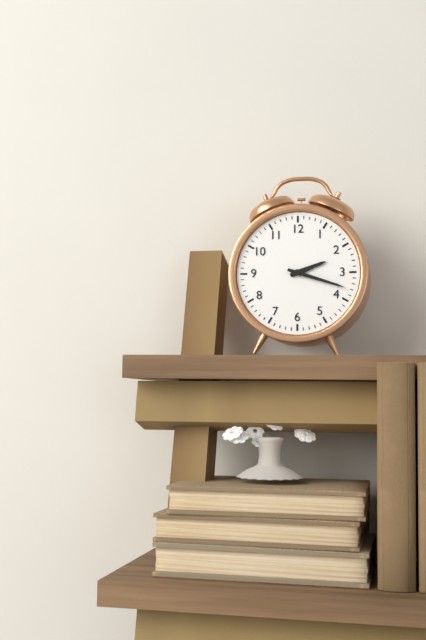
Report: {"hour": 2, "minute": 18}
